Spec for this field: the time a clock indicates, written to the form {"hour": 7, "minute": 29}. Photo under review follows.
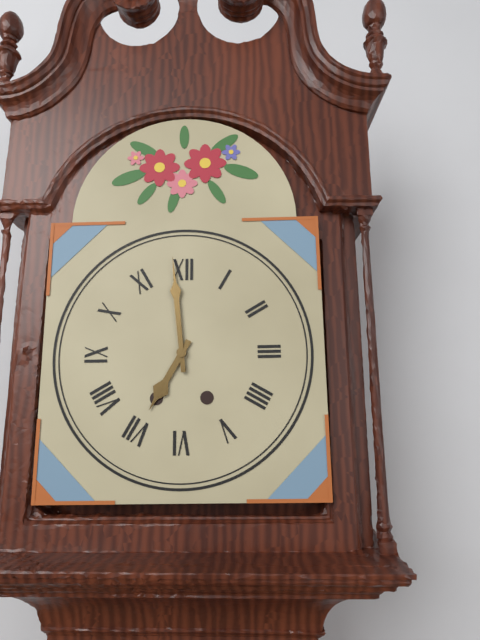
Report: {"hour": 6, "minute": 59}
